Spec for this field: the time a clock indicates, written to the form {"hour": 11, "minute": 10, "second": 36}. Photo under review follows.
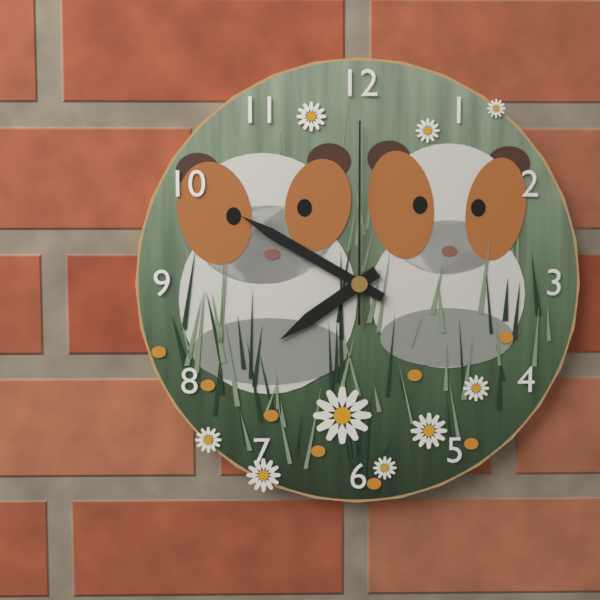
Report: {"hour": 7, "minute": 50, "second": 0}
